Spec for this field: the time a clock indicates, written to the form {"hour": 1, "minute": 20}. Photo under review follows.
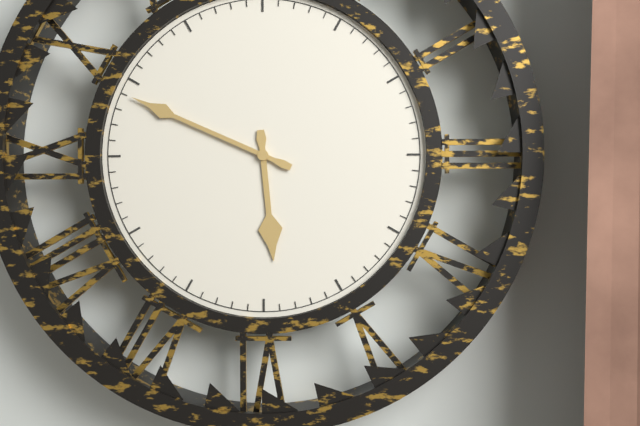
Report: {"hour": 5, "minute": 49}
